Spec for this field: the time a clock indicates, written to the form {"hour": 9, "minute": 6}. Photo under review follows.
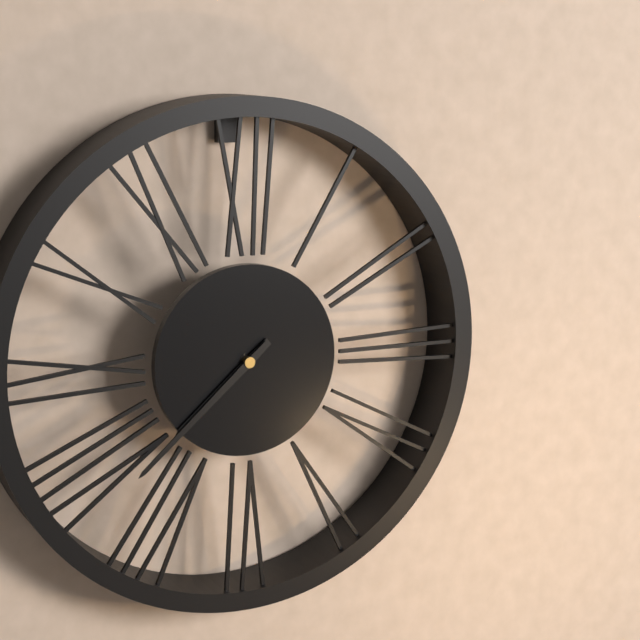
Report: {"hour": 7, "minute": 38}
